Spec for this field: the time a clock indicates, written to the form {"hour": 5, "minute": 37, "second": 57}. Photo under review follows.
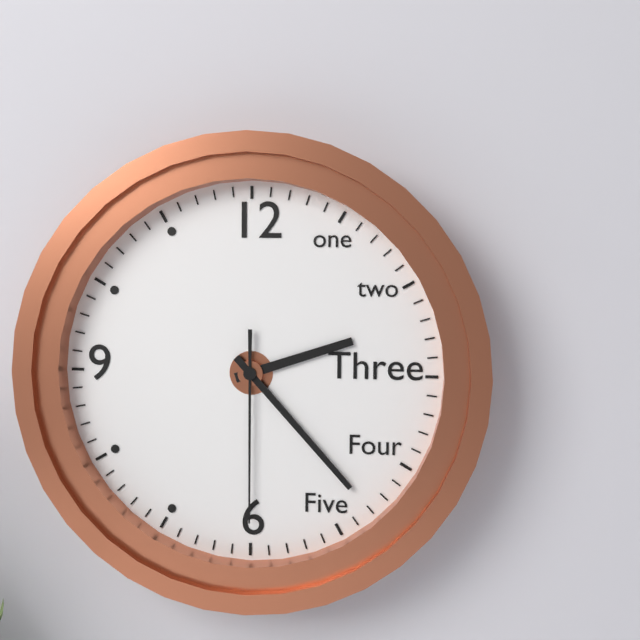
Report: {"hour": 2, "minute": 23, "second": 30}
